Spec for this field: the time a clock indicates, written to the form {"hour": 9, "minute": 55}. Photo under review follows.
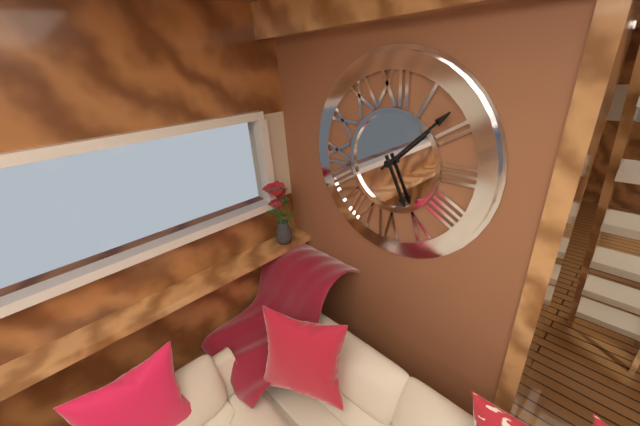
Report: {"hour": 5, "minute": 8}
